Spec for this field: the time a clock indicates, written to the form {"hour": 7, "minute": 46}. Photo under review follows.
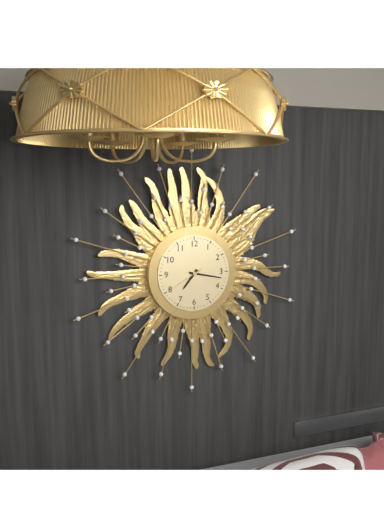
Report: {"hour": 7, "minute": 17}
